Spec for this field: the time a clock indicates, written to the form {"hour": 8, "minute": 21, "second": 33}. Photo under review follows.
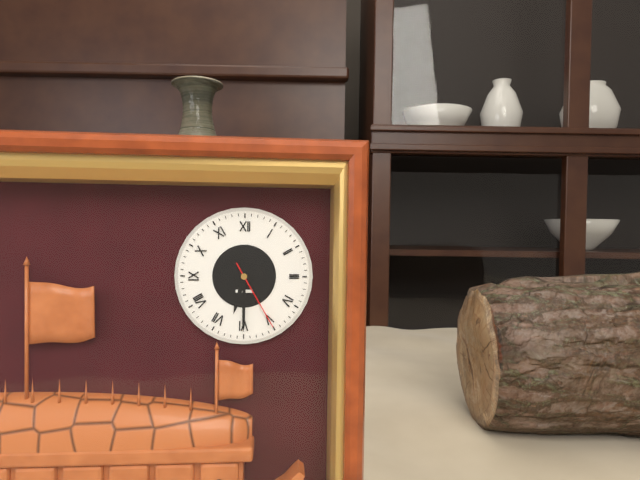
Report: {"hour": 6, "minute": 30, "second": 25}
